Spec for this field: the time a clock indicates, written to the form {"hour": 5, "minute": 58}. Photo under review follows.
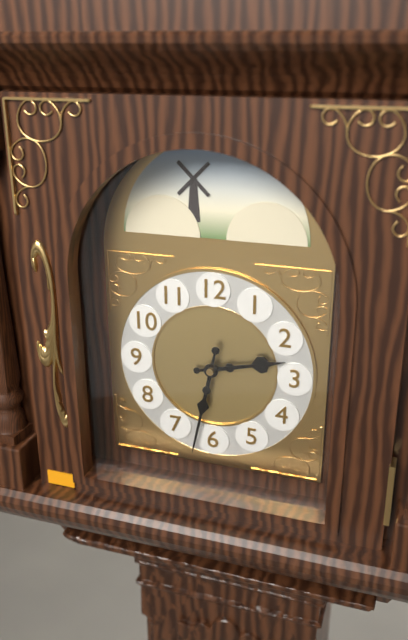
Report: {"hour": 2, "minute": 32}
